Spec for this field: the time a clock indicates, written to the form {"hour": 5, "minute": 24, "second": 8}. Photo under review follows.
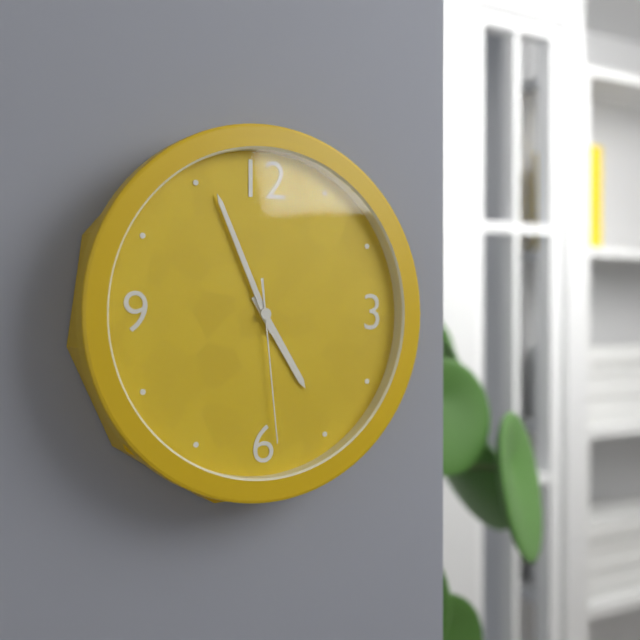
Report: {"hour": 4, "minute": 56, "second": 29}
